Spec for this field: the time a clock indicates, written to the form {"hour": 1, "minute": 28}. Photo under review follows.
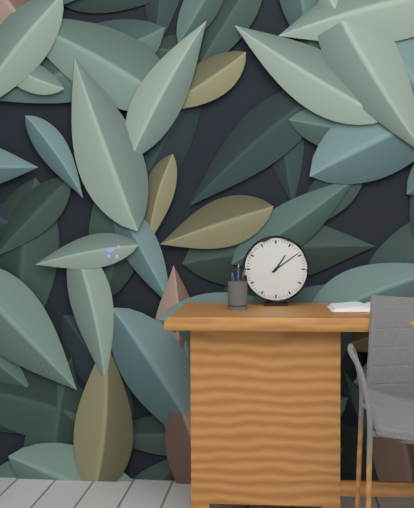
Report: {"hour": 1, "minute": 9}
